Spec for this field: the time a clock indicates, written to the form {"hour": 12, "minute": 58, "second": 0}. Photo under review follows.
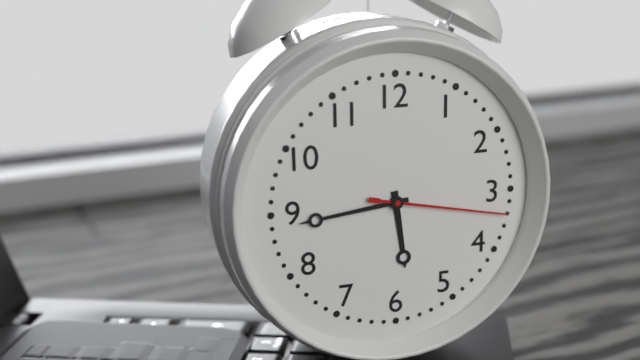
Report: {"hour": 5, "minute": 44, "second": 17}
